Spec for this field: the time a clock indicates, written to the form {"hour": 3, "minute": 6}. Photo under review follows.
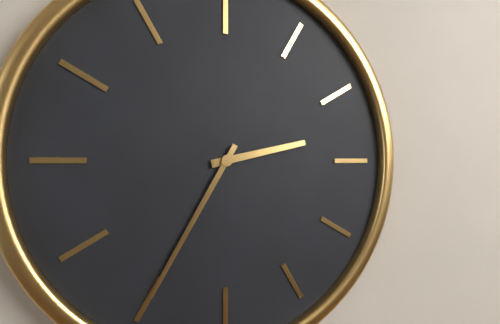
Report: {"hour": 2, "minute": 35}
